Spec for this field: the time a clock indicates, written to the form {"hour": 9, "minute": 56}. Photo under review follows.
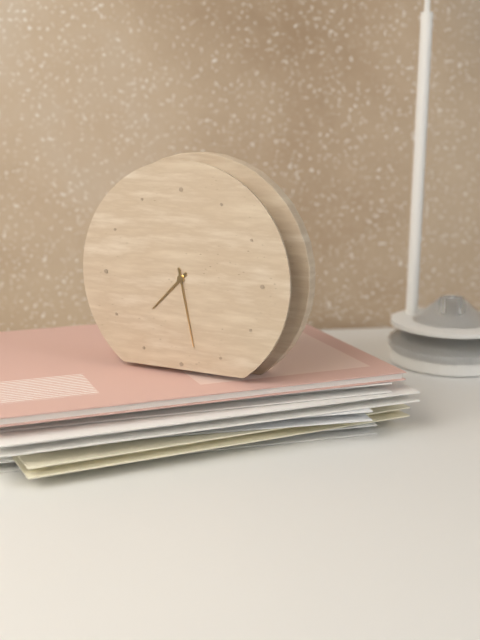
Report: {"hour": 7, "minute": 28}
